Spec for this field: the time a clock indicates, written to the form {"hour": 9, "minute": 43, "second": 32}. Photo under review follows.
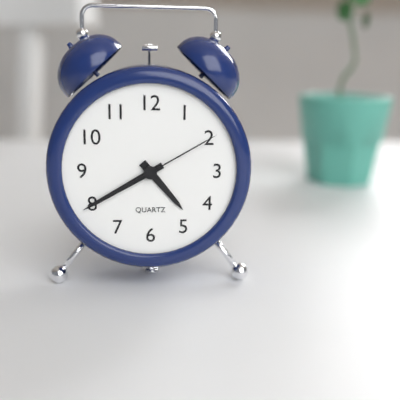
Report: {"hour": 4, "minute": 40, "second": 10}
